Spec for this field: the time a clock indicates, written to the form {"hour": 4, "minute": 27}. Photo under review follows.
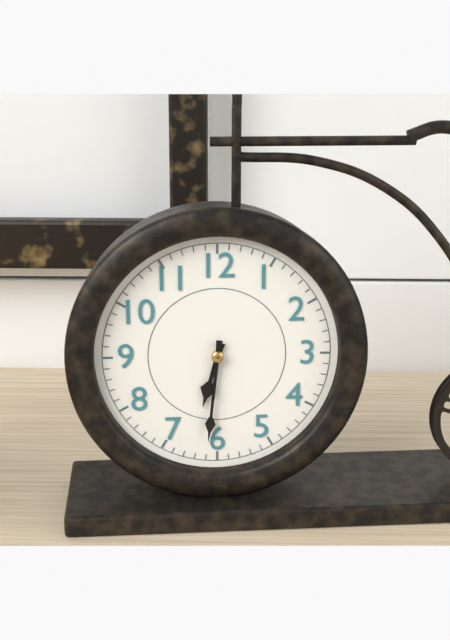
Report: {"hour": 6, "minute": 31}
